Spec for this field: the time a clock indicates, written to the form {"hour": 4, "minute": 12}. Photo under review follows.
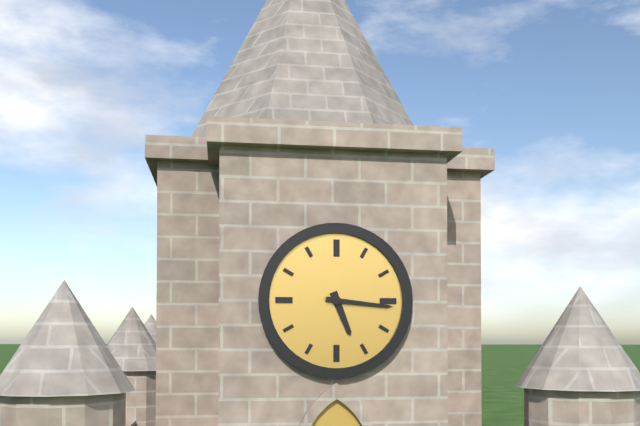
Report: {"hour": 5, "minute": 16}
